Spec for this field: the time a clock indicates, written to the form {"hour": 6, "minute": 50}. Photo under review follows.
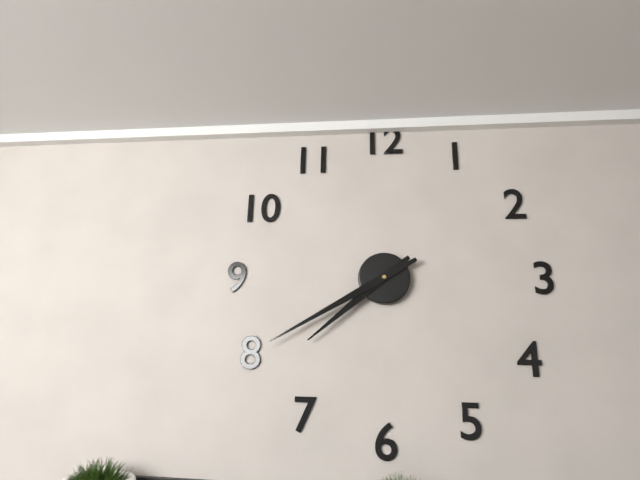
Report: {"hour": 7, "minute": 40}
